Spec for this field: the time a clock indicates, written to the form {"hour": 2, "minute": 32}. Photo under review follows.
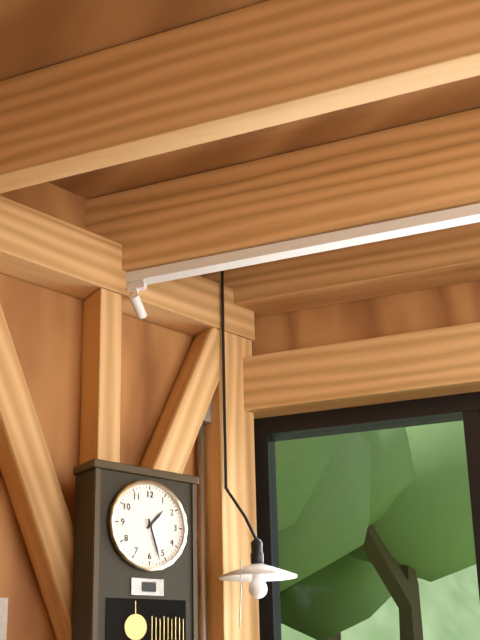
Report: {"hour": 1, "minute": 27}
